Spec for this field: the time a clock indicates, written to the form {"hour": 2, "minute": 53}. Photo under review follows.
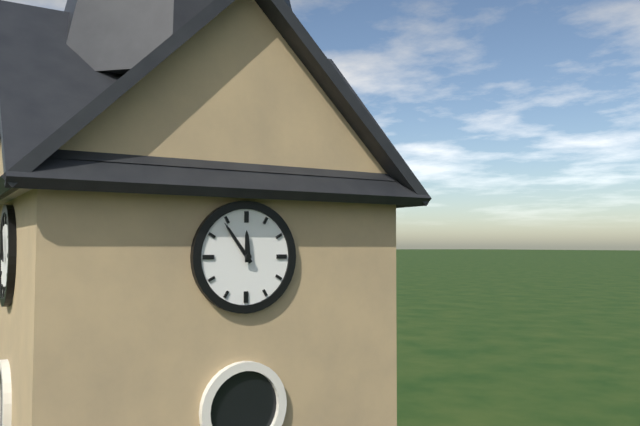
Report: {"hour": 11, "minute": 54}
